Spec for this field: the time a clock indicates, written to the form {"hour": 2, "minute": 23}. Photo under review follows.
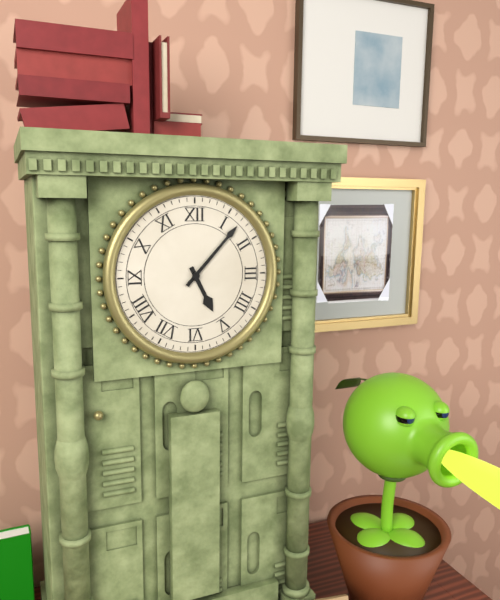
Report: {"hour": 5, "minute": 7}
